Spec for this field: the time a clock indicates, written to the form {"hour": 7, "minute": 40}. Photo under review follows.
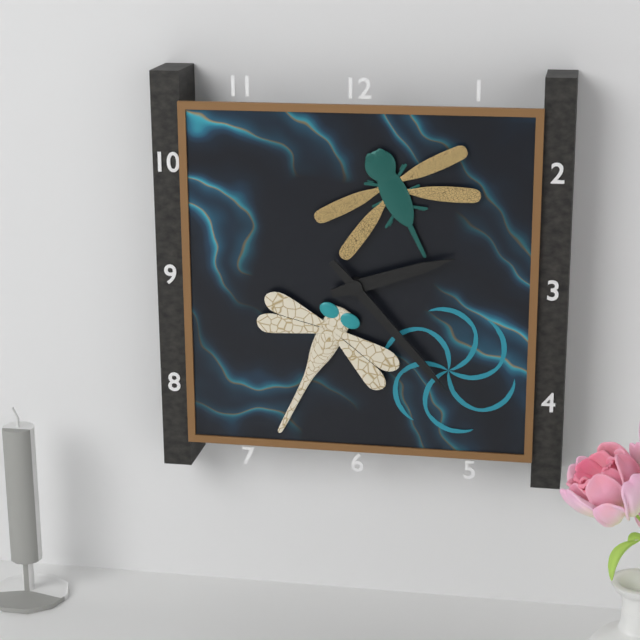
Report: {"hour": 2, "minute": 23}
